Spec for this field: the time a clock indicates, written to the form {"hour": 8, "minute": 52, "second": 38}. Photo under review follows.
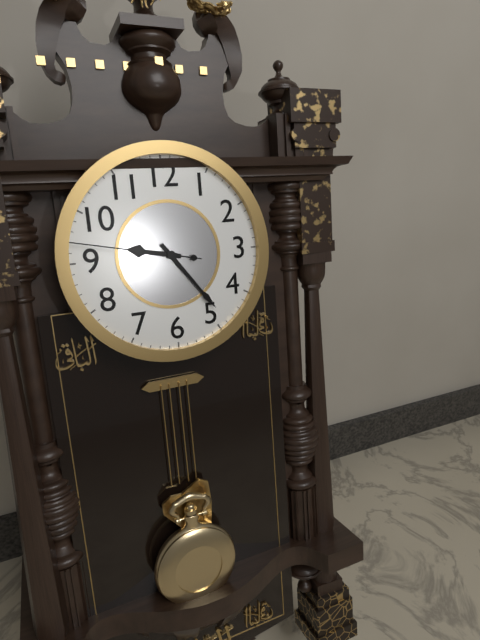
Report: {"hour": 9, "minute": 24, "second": 47}
